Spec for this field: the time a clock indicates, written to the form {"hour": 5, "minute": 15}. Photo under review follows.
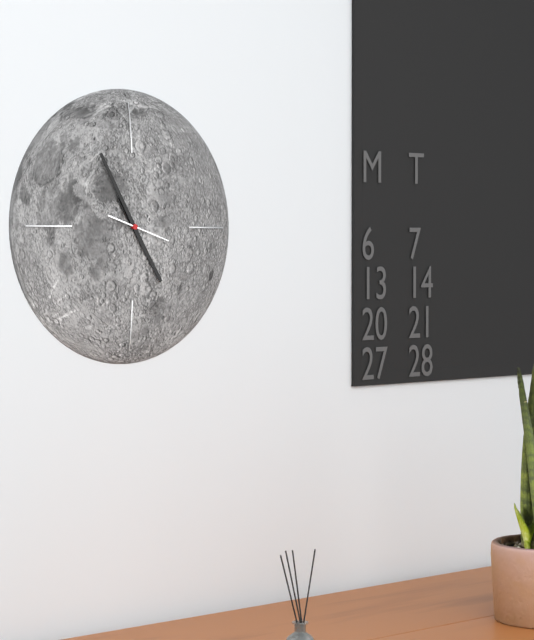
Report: {"hour": 4, "minute": 55}
